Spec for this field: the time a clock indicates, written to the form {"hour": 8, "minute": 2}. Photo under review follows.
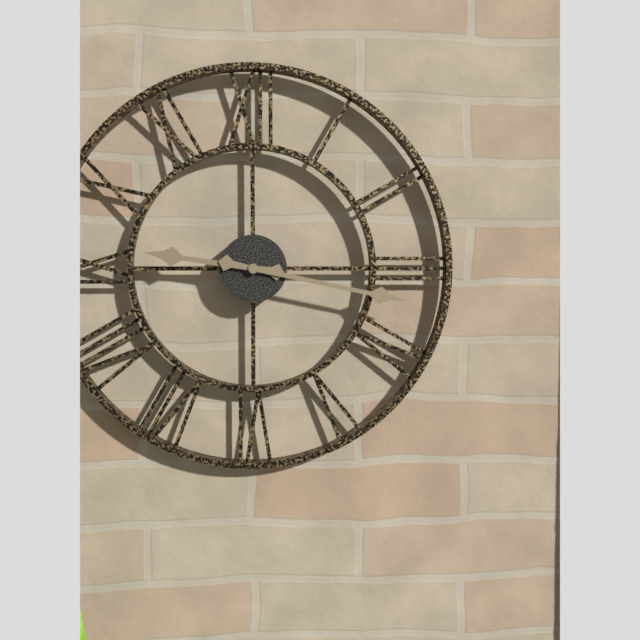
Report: {"hour": 9, "minute": 17}
